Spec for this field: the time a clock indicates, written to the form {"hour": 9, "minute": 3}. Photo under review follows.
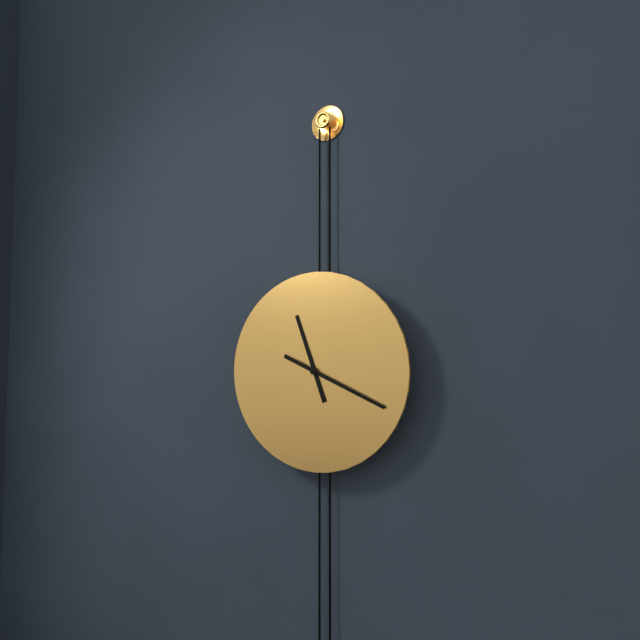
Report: {"hour": 11, "minute": 19}
